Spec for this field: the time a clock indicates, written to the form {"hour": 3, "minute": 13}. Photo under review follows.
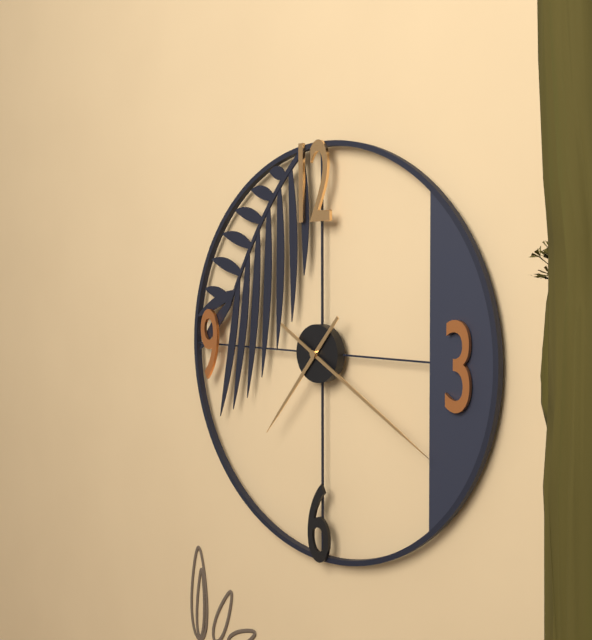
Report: {"hour": 7, "minute": 20}
